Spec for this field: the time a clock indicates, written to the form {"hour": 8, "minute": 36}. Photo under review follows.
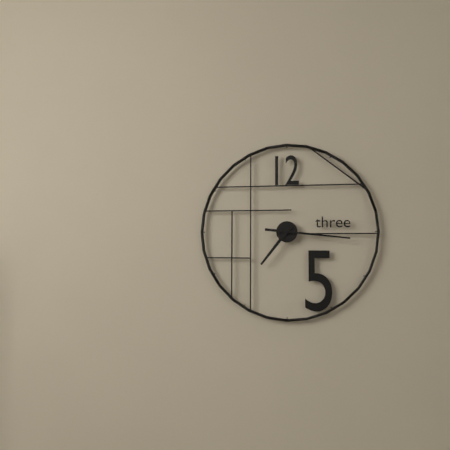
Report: {"hour": 7, "minute": 16}
